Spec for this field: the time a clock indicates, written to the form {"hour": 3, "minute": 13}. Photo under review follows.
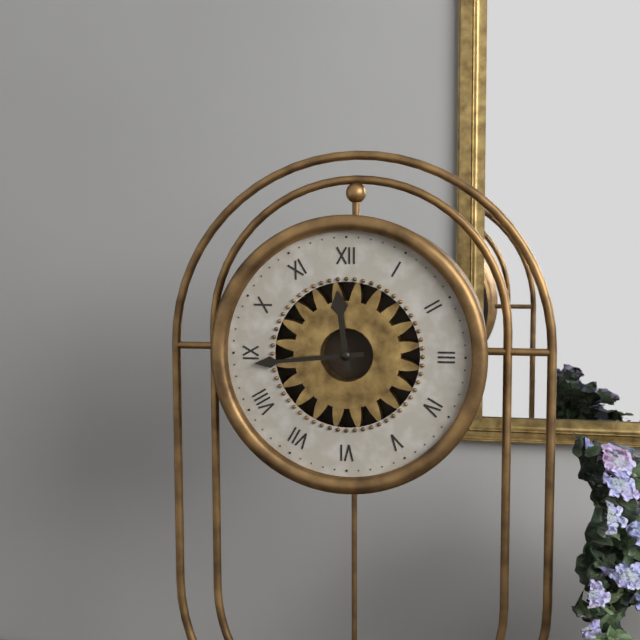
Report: {"hour": 11, "minute": 44}
